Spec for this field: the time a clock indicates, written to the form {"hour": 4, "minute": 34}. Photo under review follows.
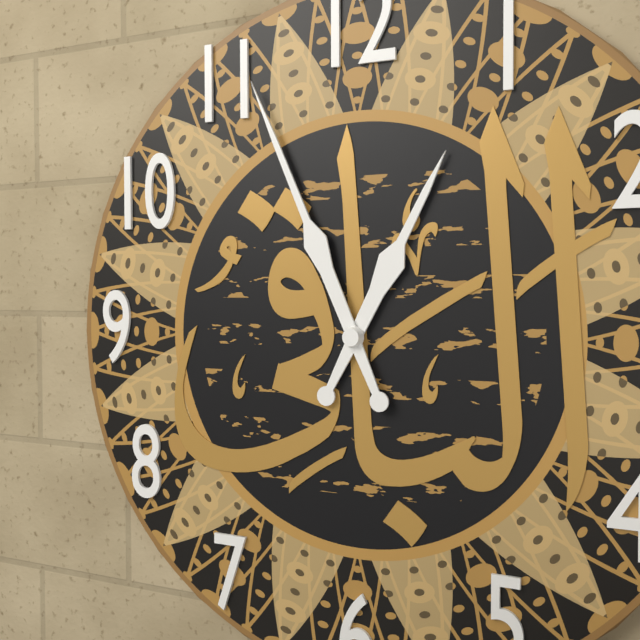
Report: {"hour": 12, "minute": 56}
